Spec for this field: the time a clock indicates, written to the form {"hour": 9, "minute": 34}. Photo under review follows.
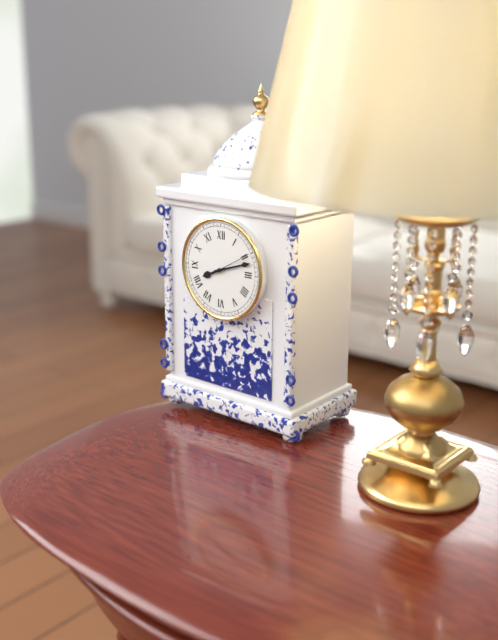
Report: {"hour": 8, "minute": 12}
